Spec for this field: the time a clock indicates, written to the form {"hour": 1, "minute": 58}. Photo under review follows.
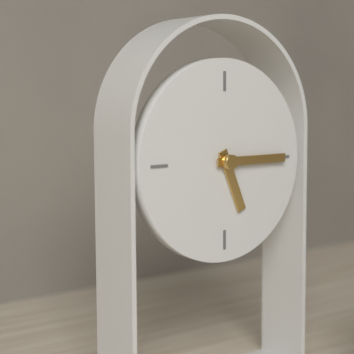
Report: {"hour": 5, "minute": 15}
